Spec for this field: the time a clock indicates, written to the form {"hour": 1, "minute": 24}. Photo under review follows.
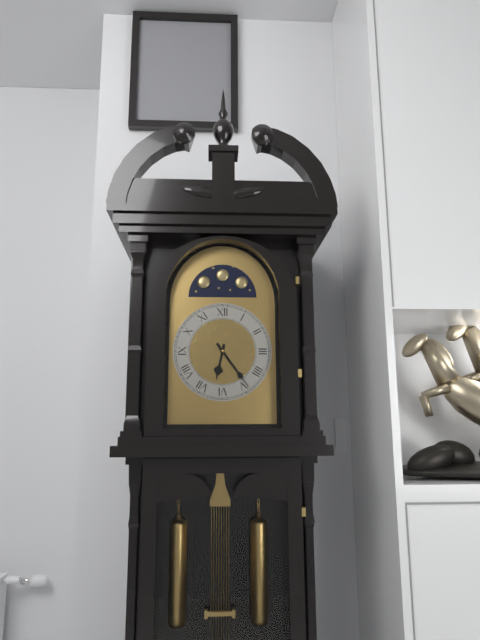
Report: {"hour": 6, "minute": 24}
